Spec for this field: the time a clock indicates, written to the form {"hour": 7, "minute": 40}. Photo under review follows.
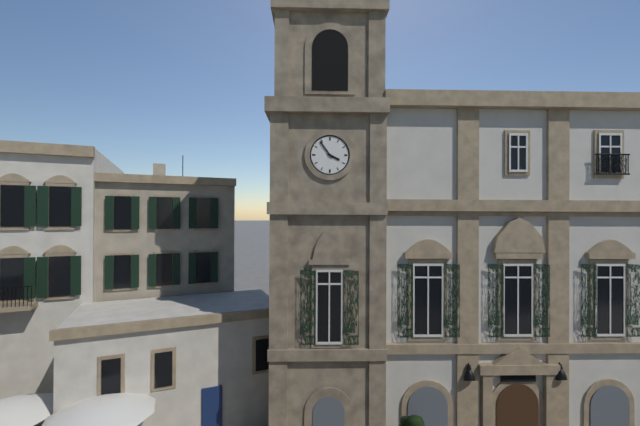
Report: {"hour": 3, "minute": 54}
